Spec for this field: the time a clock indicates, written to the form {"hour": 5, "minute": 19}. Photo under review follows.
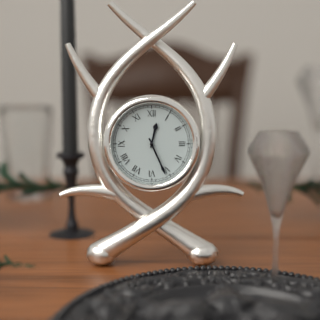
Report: {"hour": 12, "minute": 26}
